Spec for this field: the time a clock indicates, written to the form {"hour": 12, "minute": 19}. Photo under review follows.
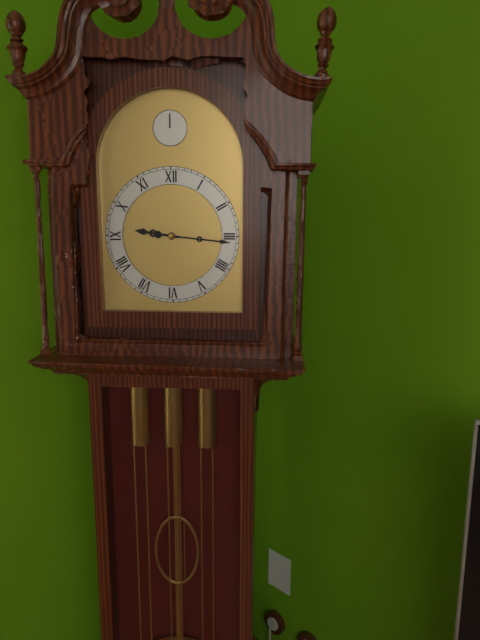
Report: {"hour": 9, "minute": 16}
